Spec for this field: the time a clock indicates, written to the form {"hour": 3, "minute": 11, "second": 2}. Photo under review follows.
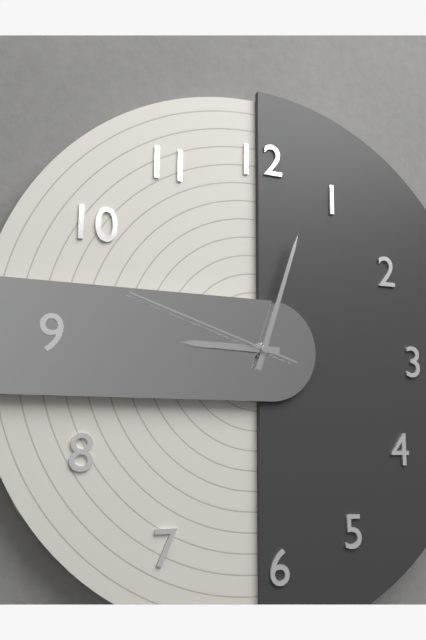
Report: {"hour": 9, "minute": 3, "second": 48}
